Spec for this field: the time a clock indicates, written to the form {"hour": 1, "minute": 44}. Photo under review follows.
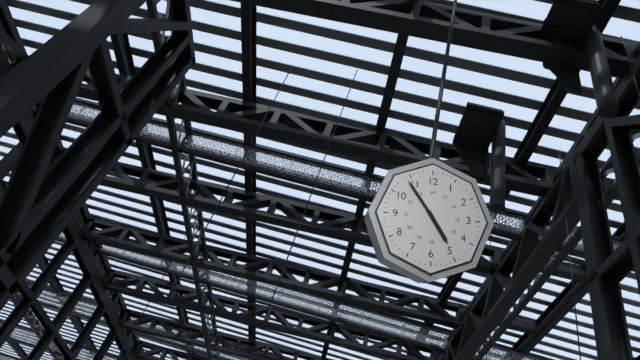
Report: {"hour": 4, "minute": 54}
